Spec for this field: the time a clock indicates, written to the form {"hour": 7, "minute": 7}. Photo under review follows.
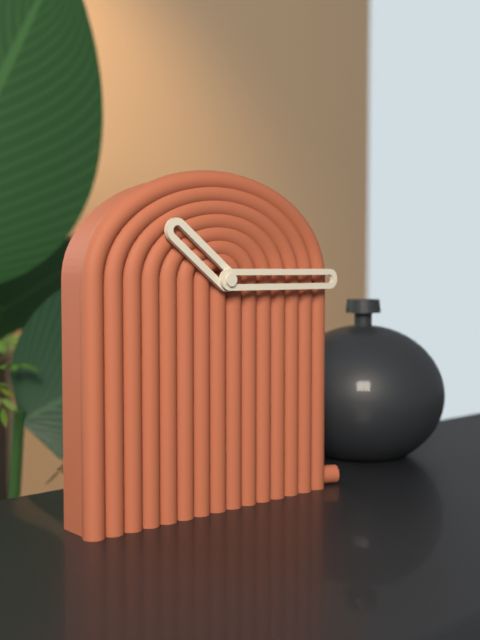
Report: {"hour": 10, "minute": 15}
